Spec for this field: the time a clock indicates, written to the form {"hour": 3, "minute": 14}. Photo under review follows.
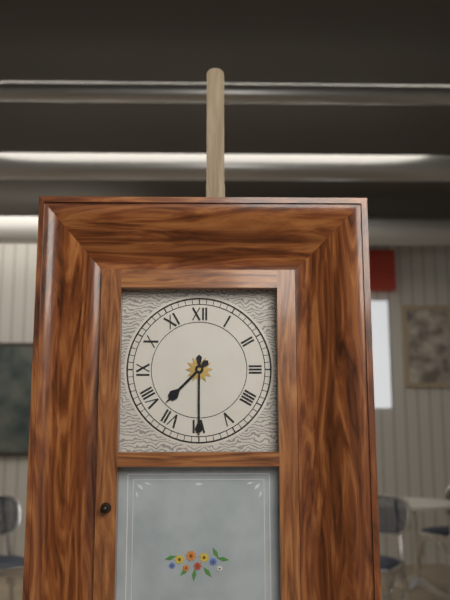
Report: {"hour": 7, "minute": 30}
